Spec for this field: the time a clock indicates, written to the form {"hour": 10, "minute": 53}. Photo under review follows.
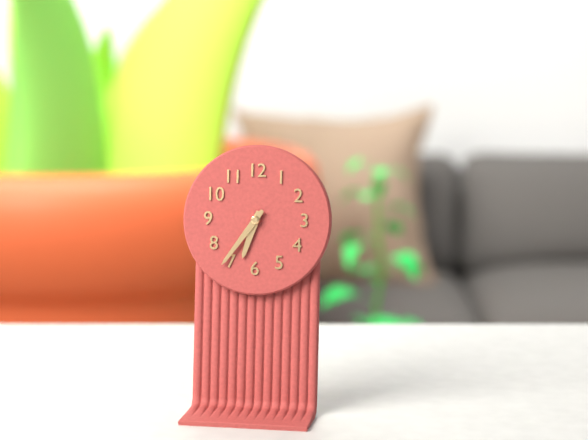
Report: {"hour": 6, "minute": 36}
